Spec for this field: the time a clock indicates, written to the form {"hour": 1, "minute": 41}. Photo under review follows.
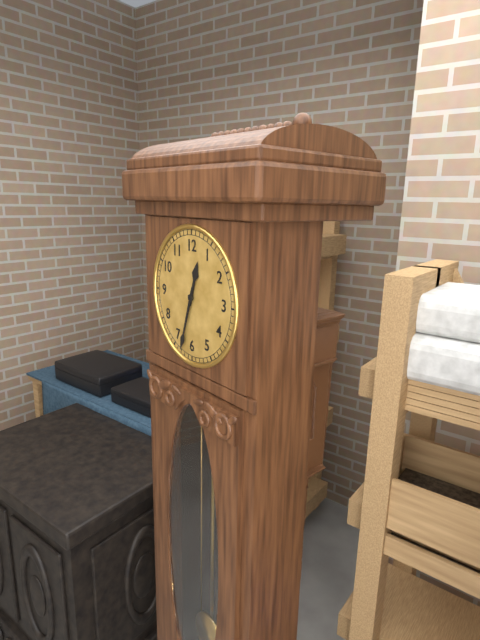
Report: {"hour": 12, "minute": 33}
